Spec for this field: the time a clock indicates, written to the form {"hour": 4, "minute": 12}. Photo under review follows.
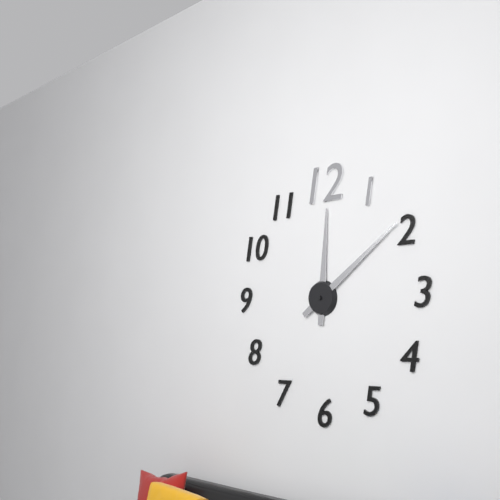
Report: {"hour": 12, "minute": 9}
